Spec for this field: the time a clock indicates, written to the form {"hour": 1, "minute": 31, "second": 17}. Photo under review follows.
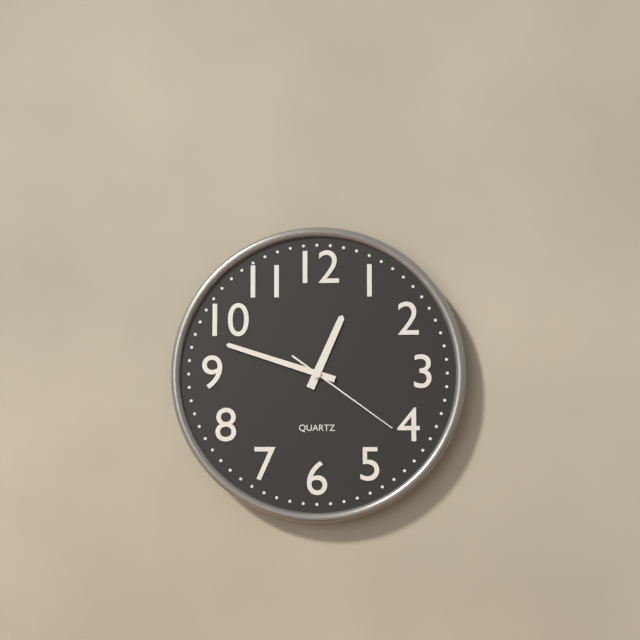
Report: {"hour": 12, "minute": 48, "second": 21}
